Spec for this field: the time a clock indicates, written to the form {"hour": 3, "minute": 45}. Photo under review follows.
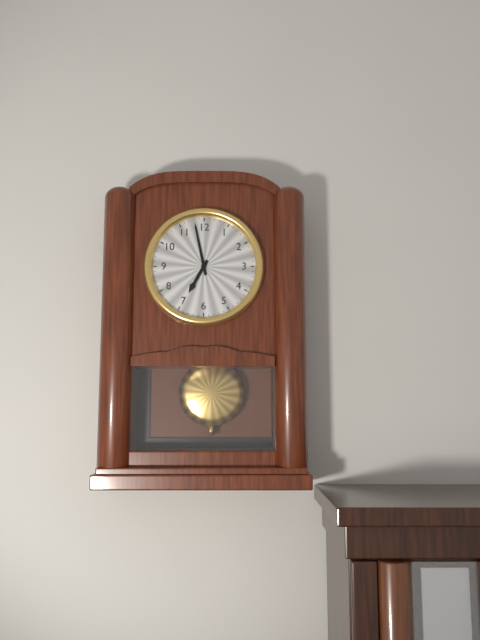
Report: {"hour": 6, "minute": 58}
